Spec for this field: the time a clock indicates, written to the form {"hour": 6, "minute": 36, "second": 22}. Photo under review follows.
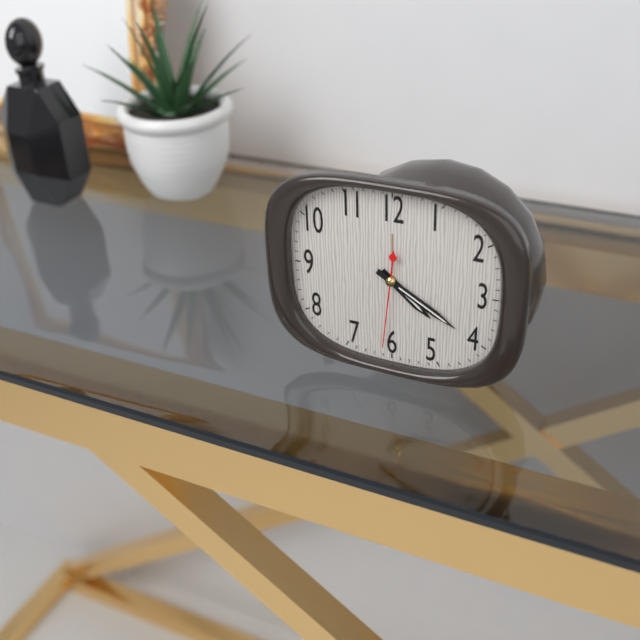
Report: {"hour": 4, "minute": 20, "second": 31}
